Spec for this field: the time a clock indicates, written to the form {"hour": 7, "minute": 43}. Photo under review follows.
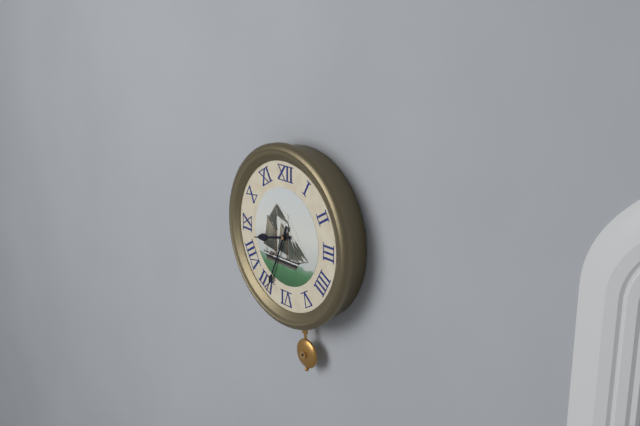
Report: {"hour": 8, "minute": 34}
